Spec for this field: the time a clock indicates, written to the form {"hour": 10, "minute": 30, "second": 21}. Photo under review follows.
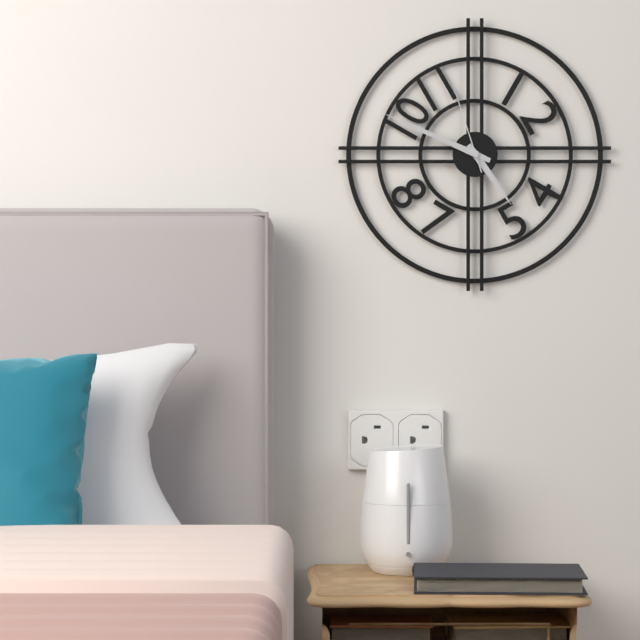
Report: {"hour": 4, "minute": 49, "second": 57}
